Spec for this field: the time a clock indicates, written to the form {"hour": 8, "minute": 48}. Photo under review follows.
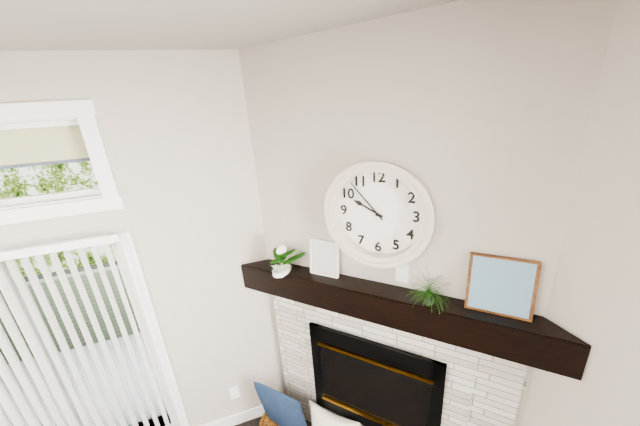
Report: {"hour": 9, "minute": 53}
